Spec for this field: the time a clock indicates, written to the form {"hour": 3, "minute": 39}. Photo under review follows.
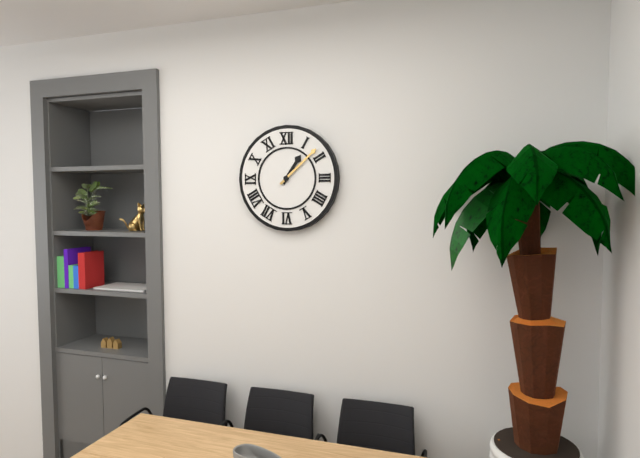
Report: {"hour": 1, "minute": 8}
